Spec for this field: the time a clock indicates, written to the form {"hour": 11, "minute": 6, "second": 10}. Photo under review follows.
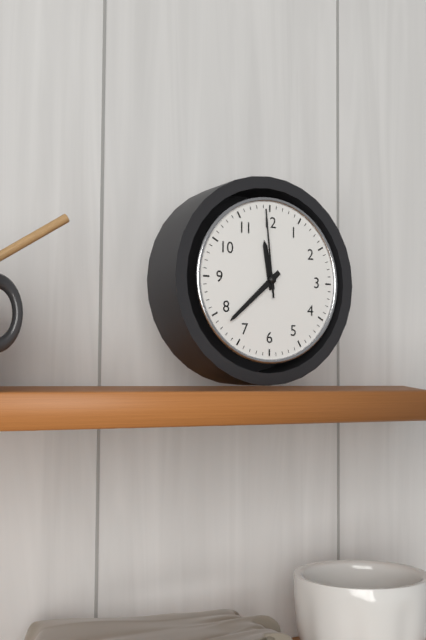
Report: {"hour": 11, "minute": 38, "second": 59}
